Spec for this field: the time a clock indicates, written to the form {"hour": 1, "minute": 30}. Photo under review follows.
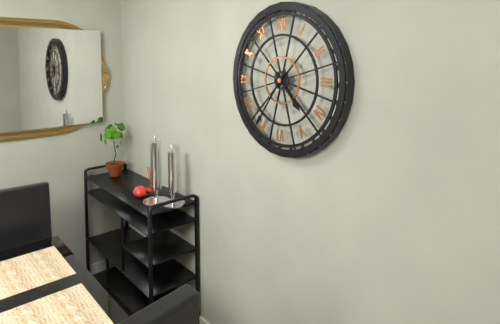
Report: {"hour": 4, "minute": 36}
